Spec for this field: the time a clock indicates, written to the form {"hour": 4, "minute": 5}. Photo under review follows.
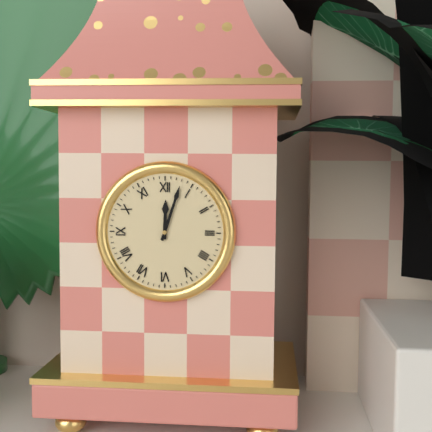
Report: {"hour": 12, "minute": 3}
